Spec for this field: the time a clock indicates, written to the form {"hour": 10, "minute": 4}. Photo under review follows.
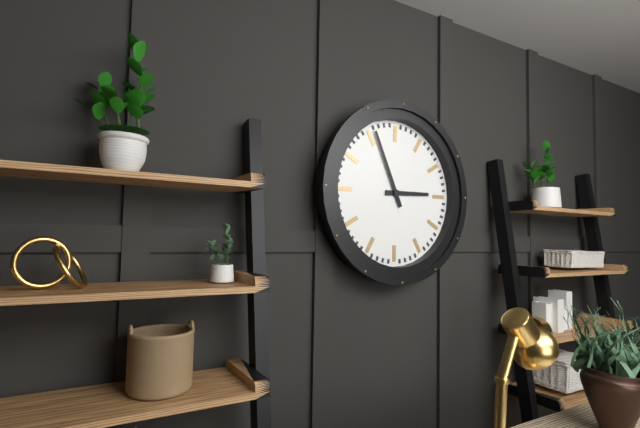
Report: {"hour": 2, "minute": 56}
